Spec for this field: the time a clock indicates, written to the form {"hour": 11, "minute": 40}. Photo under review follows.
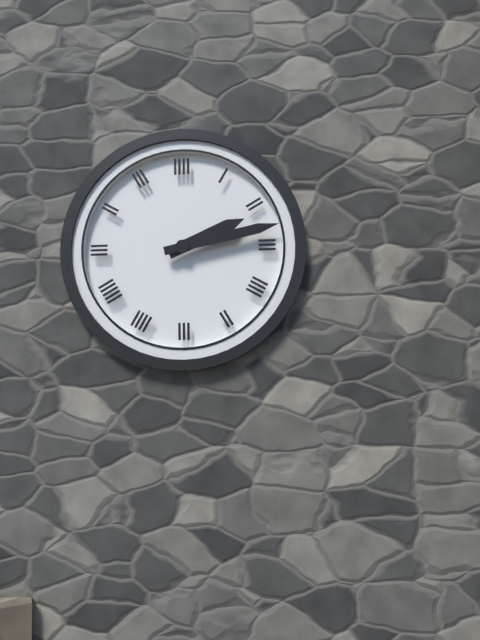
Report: {"hour": 2, "minute": 13}
